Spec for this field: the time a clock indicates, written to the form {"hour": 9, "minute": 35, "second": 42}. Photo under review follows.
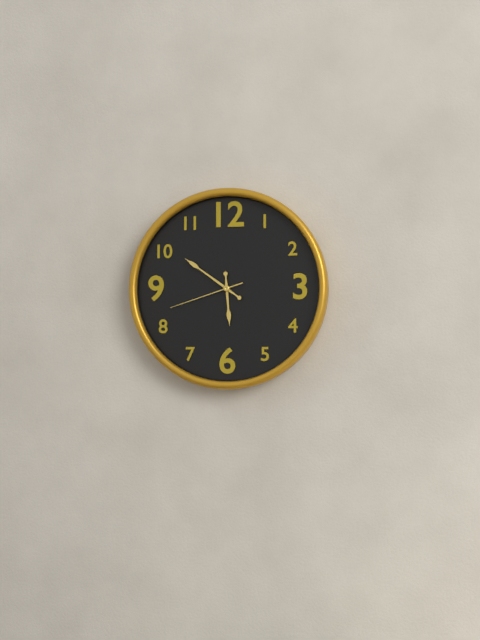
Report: {"hour": 5, "minute": 51, "second": 42}
